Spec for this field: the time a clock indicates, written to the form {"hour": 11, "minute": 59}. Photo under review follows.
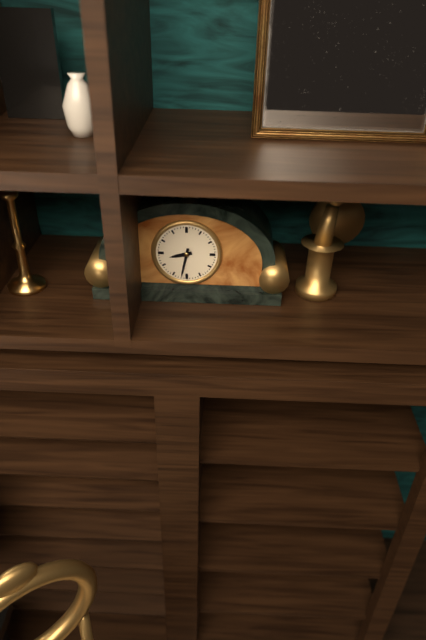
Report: {"hour": 8, "minute": 32}
